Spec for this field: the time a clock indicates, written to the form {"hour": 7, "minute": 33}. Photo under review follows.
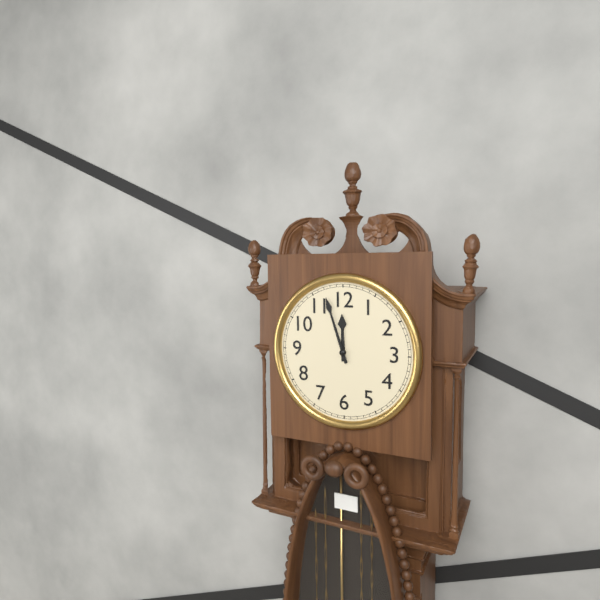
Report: {"hour": 11, "minute": 57}
